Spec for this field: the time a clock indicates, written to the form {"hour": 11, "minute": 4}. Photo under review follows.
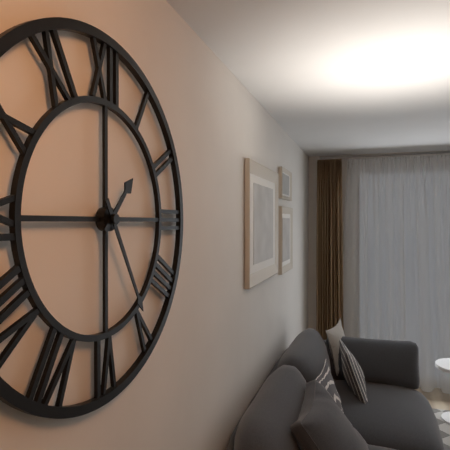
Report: {"hour": 1, "minute": 25}
